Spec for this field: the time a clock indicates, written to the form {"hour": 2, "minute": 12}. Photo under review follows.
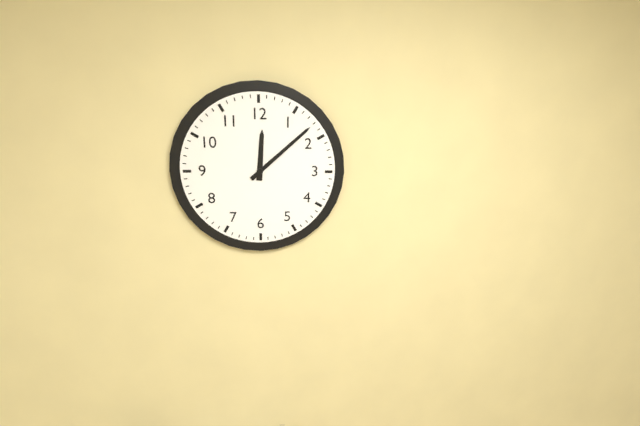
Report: {"hour": 12, "minute": 8}
